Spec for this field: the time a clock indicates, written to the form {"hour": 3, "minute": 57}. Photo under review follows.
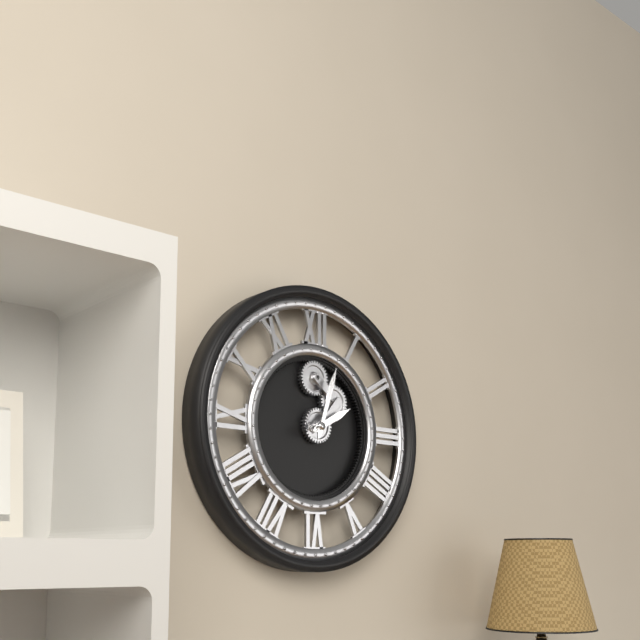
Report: {"hour": 2, "minute": 3}
